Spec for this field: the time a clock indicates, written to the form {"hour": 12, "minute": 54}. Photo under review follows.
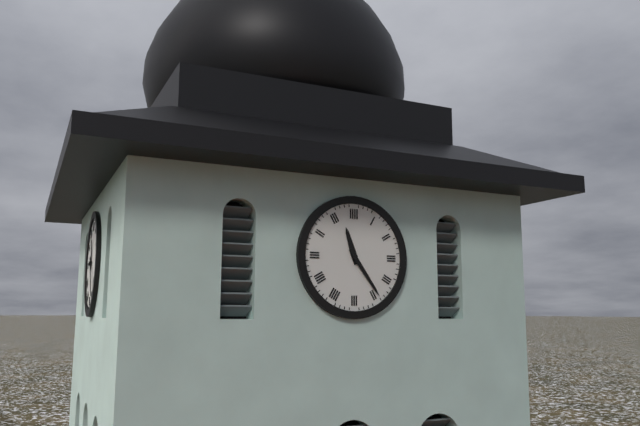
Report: {"hour": 11, "minute": 24}
